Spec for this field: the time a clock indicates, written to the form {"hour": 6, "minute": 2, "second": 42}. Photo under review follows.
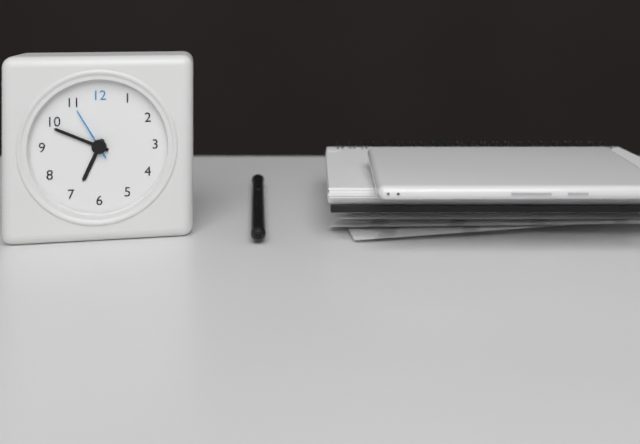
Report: {"hour": 6, "minute": 49, "second": 55}
